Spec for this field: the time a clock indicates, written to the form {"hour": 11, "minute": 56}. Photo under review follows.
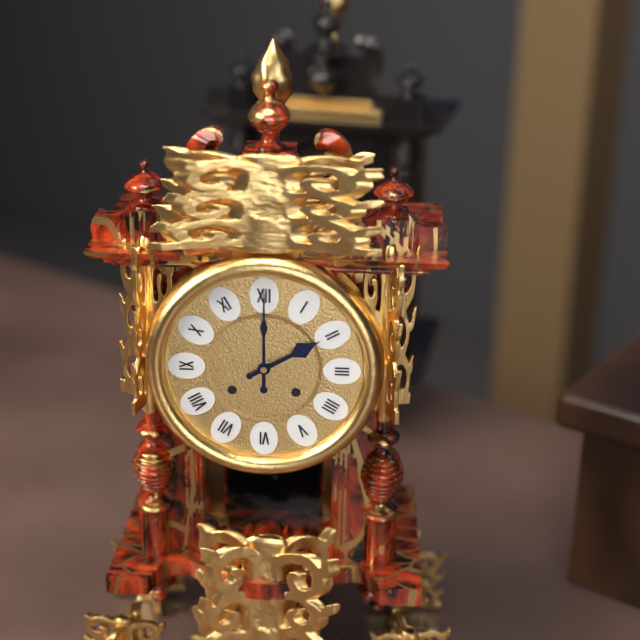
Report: {"hour": 2, "minute": 0}
